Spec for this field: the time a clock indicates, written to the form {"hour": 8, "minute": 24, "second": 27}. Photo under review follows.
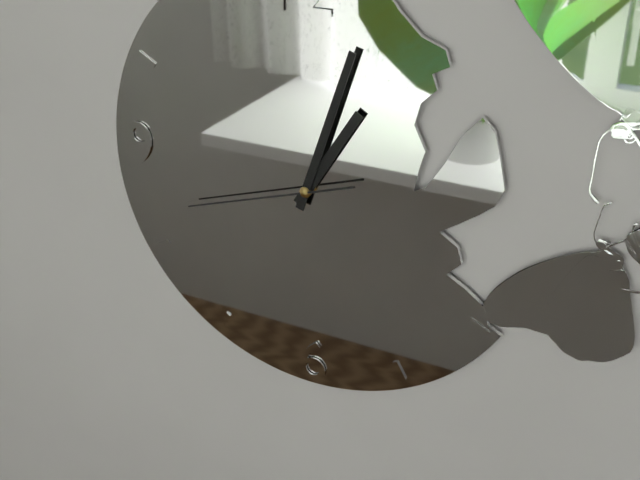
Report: {"hour": 1, "minute": 3, "second": 42}
